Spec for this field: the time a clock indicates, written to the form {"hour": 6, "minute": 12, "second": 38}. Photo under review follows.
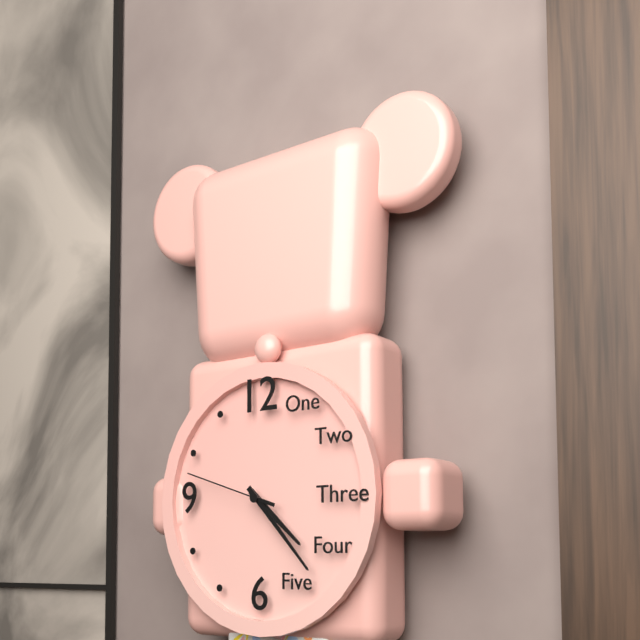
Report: {"hour": 4, "minute": 23, "second": 48}
